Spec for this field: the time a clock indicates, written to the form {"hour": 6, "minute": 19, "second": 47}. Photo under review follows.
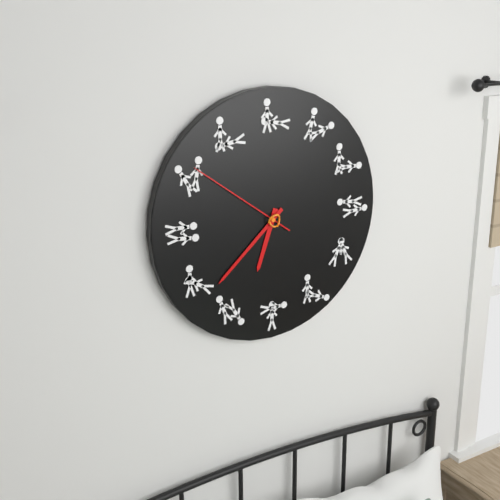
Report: {"hour": 6, "minute": 38, "second": 51}
